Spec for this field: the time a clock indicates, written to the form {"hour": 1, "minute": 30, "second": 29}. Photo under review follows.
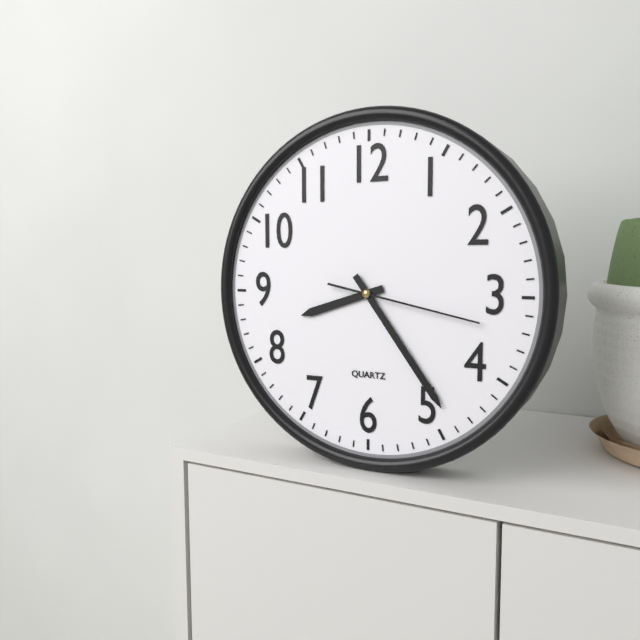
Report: {"hour": 8, "minute": 24, "second": 17}
